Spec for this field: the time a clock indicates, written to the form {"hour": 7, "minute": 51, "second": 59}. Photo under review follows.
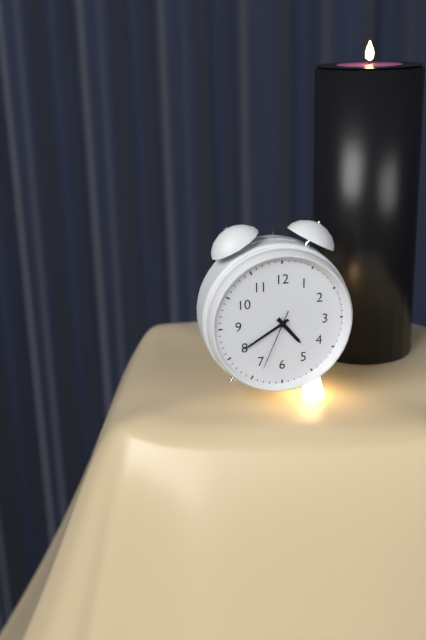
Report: {"hour": 4, "minute": 40, "second": 34}
